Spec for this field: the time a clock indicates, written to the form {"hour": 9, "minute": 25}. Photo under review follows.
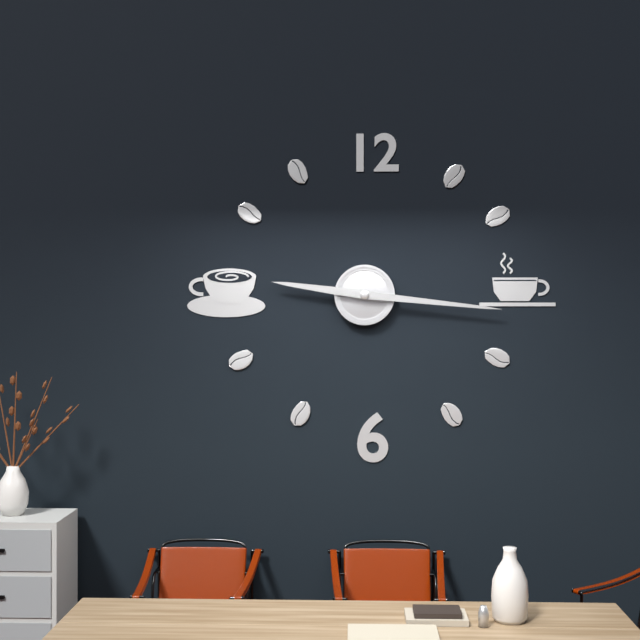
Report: {"hour": 9, "minute": 16}
